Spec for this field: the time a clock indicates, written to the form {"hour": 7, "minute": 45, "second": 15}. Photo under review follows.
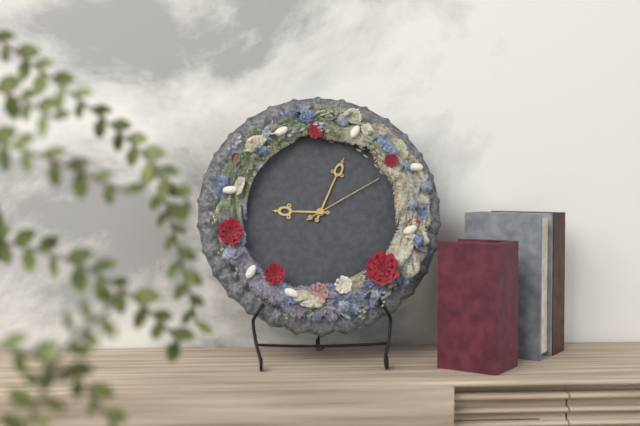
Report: {"hour": 9, "minute": 4, "second": 10}
